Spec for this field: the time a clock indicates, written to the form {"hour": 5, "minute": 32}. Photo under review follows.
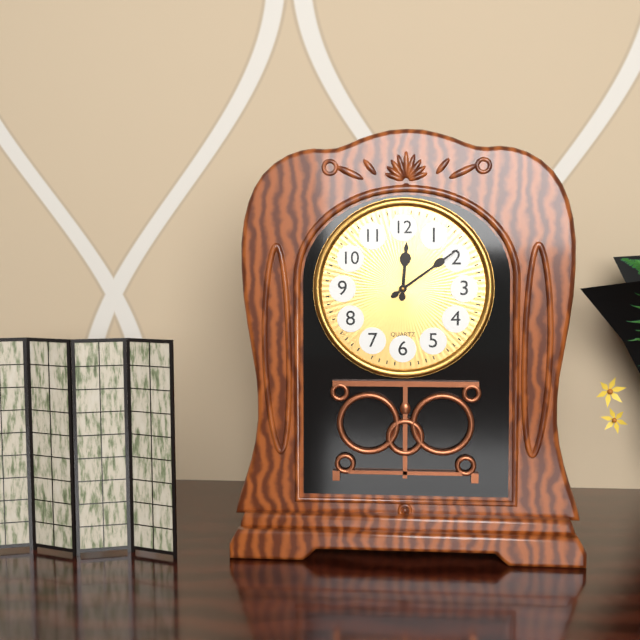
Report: {"hour": 12, "minute": 9}
